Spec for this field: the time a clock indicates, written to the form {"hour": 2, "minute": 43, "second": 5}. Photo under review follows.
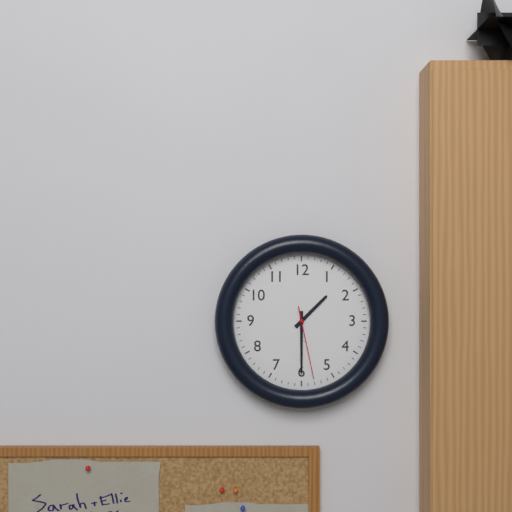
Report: {"hour": 1, "minute": 30, "second": 28}
